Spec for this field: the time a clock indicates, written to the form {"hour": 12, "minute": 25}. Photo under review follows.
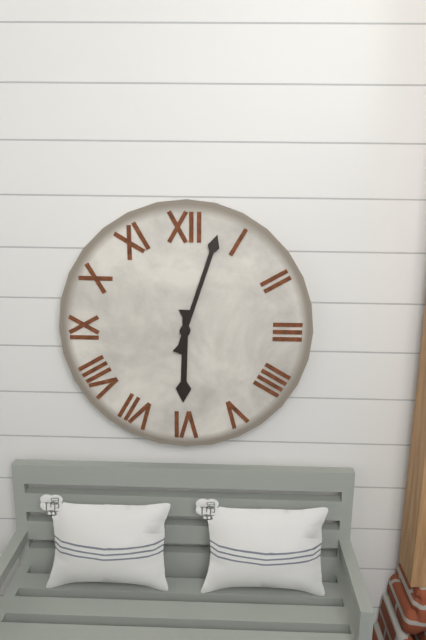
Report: {"hour": 6, "minute": 3}
